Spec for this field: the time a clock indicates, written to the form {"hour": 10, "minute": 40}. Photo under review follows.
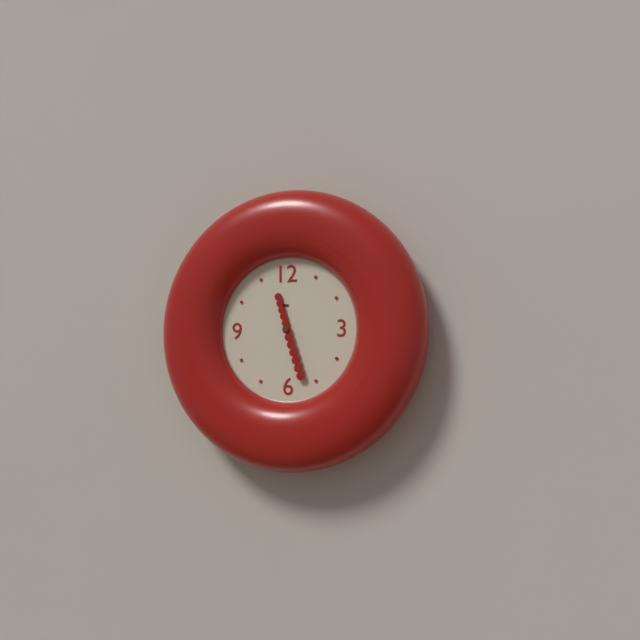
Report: {"hour": 11, "minute": 27}
